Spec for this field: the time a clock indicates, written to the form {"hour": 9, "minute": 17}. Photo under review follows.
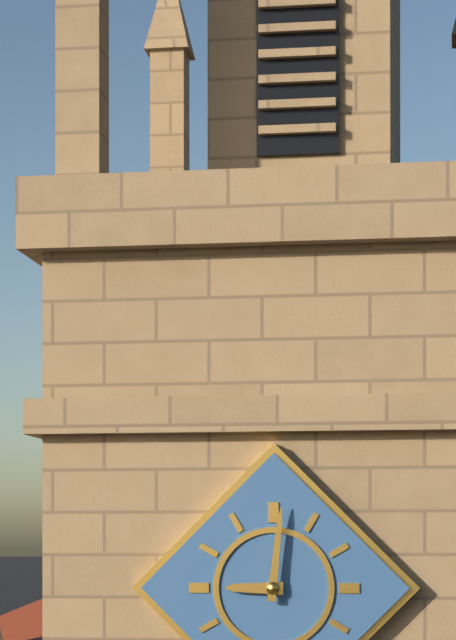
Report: {"hour": 9, "minute": 1}
